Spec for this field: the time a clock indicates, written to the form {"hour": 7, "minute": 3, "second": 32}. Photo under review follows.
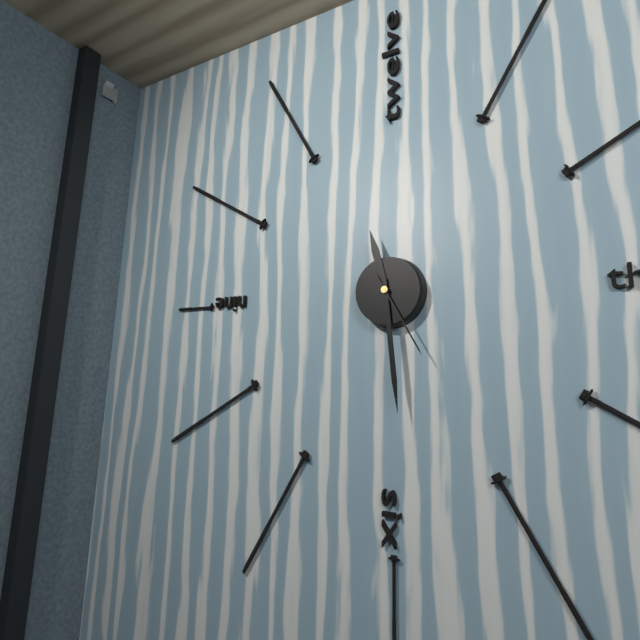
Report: {"hour": 11, "minute": 29, "second": 25}
